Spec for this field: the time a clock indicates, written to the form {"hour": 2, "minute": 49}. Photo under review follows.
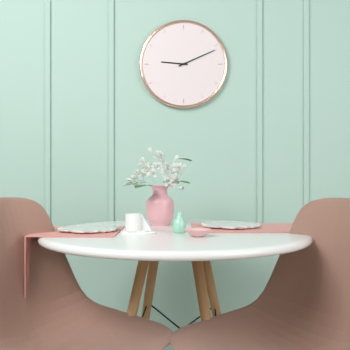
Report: {"hour": 9, "minute": 11}
